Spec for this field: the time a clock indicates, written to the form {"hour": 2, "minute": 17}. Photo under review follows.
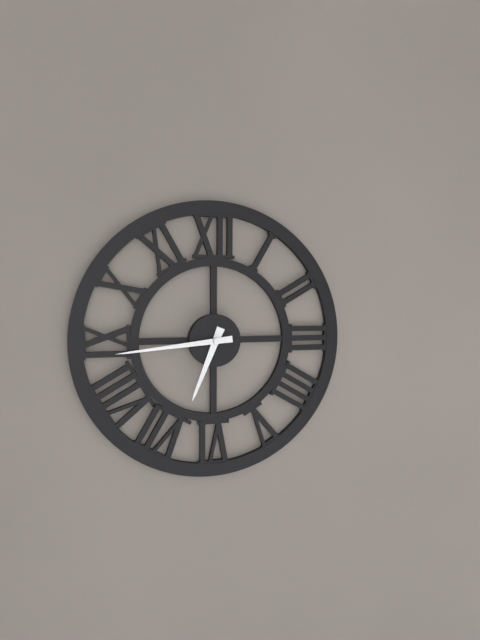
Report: {"hour": 6, "minute": 44}
